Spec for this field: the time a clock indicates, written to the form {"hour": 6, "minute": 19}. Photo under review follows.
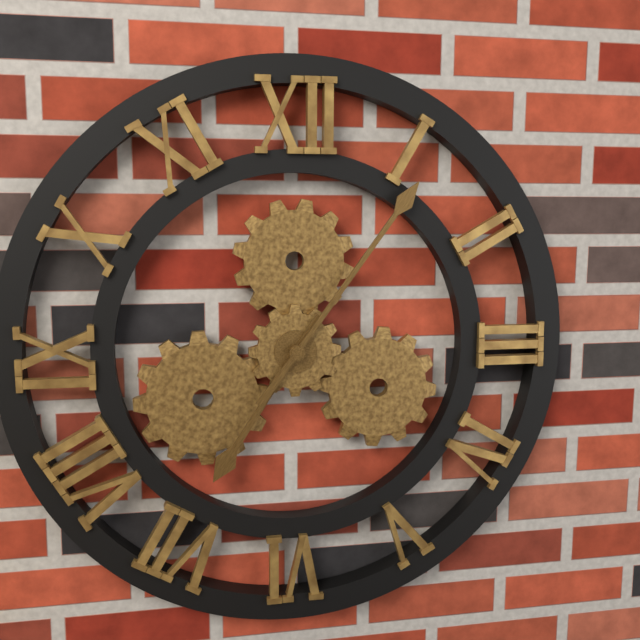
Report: {"hour": 7, "minute": 6}
